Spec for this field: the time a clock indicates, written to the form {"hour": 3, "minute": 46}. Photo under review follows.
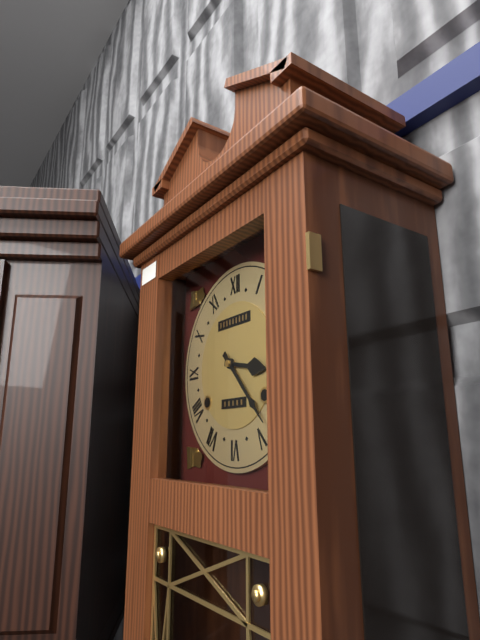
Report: {"hour": 3, "minute": 23}
